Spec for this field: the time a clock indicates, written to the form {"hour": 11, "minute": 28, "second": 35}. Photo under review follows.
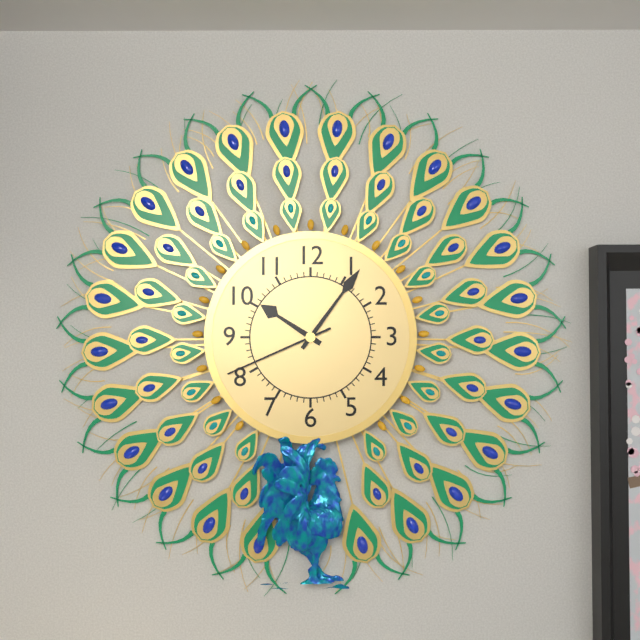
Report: {"hour": 10, "minute": 6, "second": 41}
